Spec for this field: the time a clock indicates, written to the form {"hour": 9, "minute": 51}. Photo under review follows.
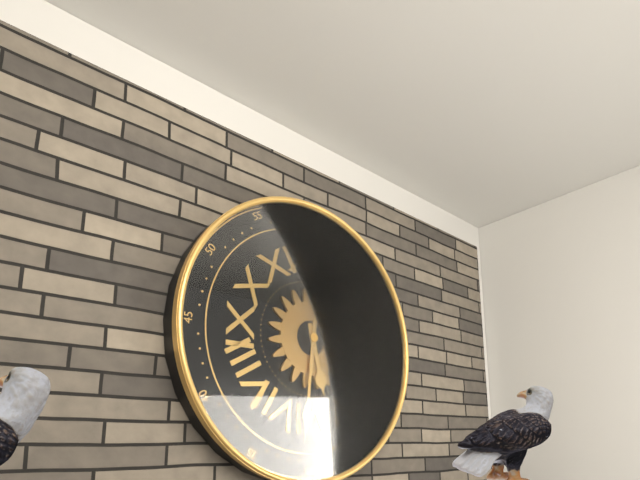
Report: {"hour": 5, "minute": 31}
